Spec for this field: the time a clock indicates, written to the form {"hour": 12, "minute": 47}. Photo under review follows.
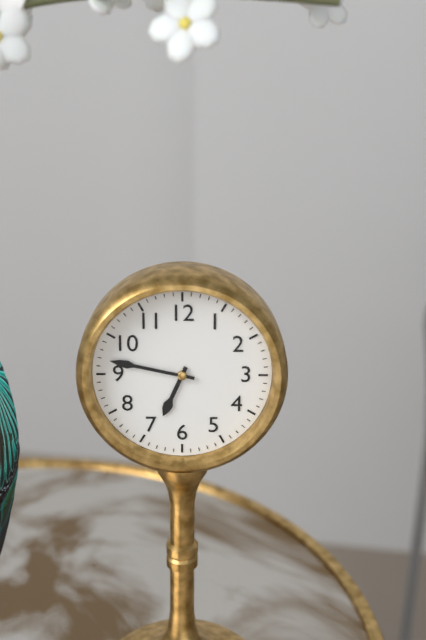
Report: {"hour": 6, "minute": 47}
